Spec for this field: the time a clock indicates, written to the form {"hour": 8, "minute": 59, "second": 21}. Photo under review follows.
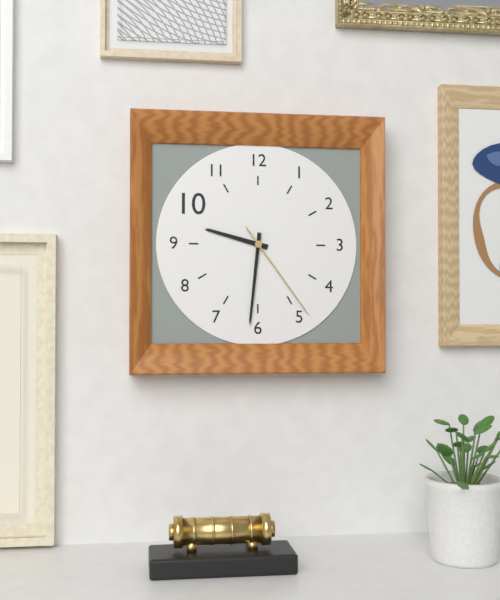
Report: {"hour": 9, "minute": 31, "second": 24}
